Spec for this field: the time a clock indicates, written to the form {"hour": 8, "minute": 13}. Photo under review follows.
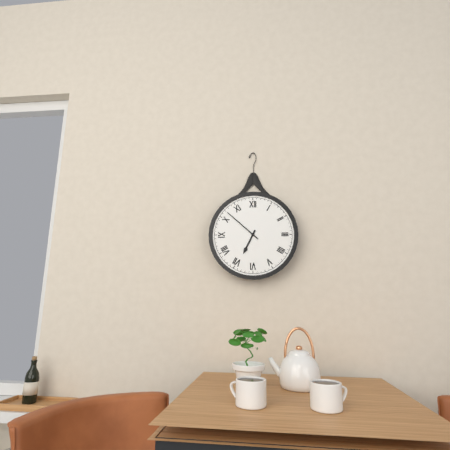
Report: {"hour": 6, "minute": 52}
